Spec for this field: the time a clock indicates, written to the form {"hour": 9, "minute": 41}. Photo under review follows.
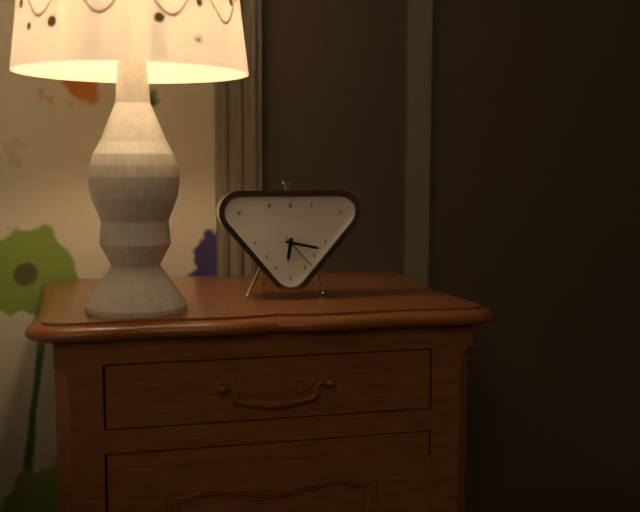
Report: {"hour": 6, "minute": 17}
